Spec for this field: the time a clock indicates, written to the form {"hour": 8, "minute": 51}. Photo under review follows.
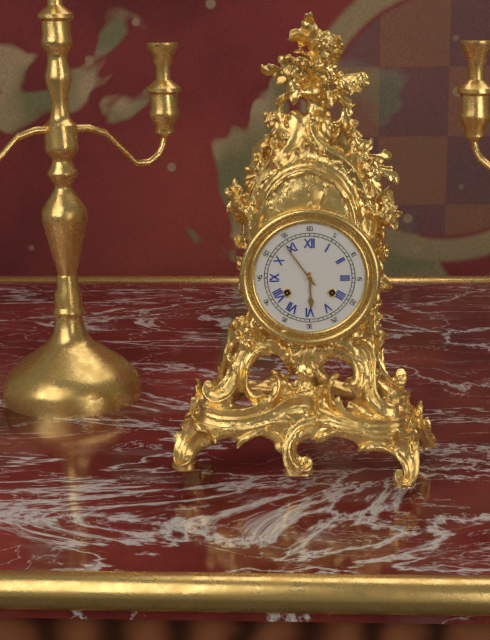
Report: {"hour": 5, "minute": 54}
